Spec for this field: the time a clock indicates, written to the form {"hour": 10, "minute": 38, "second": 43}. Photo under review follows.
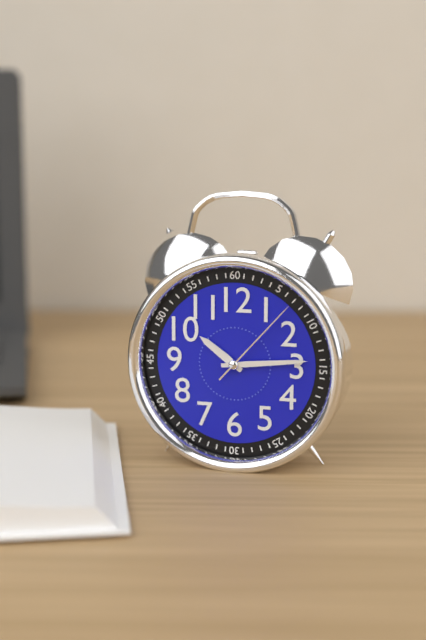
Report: {"hour": 10, "minute": 14, "second": 7}
